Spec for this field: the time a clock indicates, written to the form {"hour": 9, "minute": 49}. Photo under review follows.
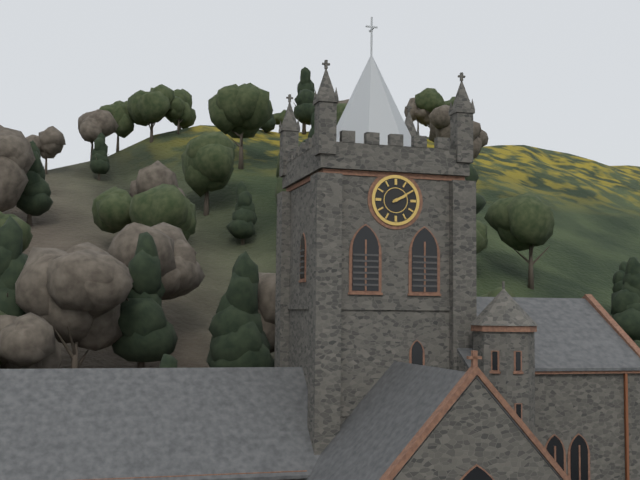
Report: {"hour": 2, "minute": 10}
